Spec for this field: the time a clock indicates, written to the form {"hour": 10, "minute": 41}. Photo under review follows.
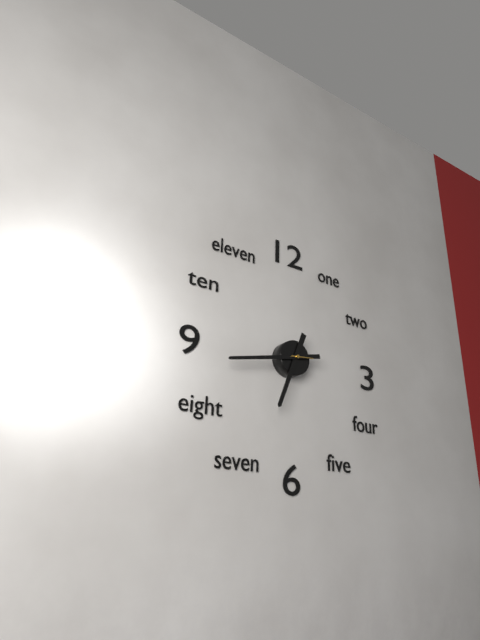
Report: {"hour": 6, "minute": 43}
